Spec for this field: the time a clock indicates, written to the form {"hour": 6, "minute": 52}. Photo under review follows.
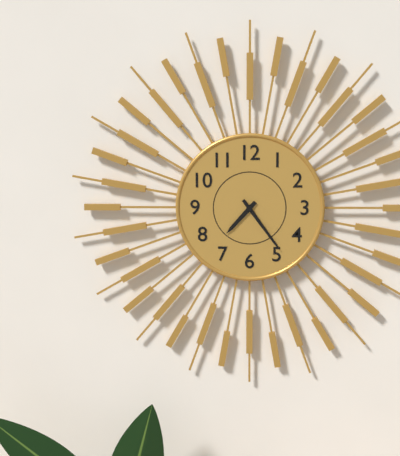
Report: {"hour": 7, "minute": 24}
